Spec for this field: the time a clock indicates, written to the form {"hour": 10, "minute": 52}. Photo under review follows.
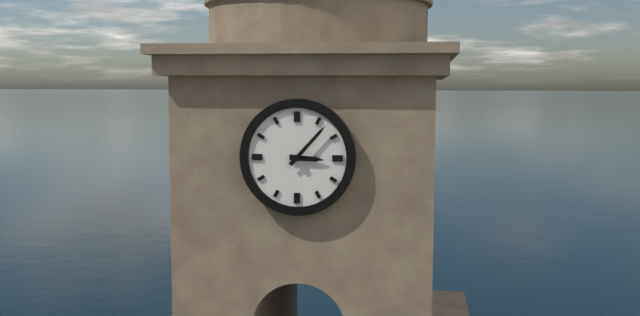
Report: {"hour": 3, "minute": 7}
